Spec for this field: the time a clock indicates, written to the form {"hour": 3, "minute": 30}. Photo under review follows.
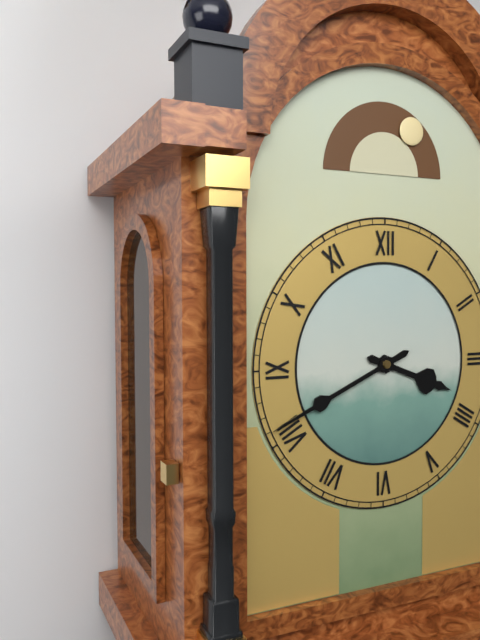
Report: {"hour": 3, "minute": 41}
